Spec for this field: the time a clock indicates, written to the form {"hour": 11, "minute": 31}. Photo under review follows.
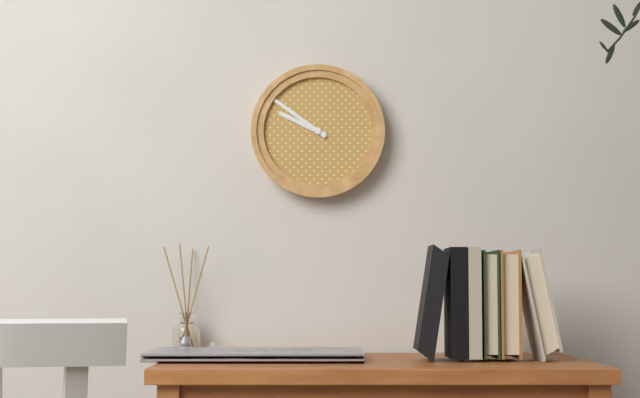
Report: {"hour": 9, "minute": 51}
